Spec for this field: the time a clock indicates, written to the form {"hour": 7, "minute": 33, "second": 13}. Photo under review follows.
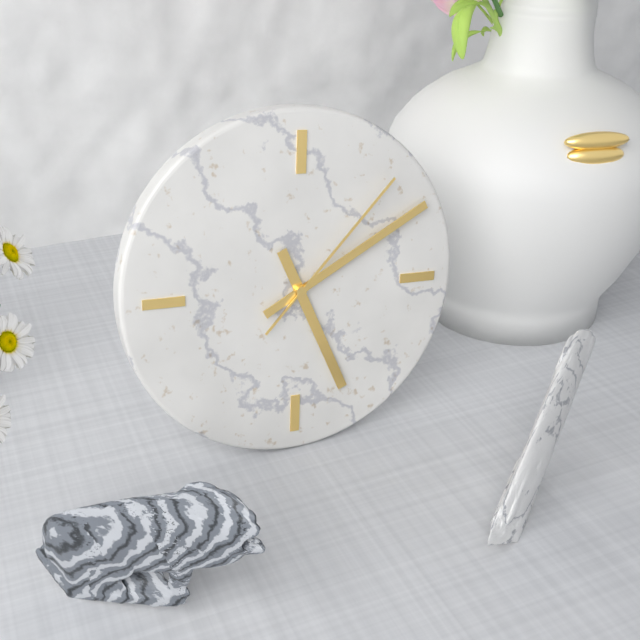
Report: {"hour": 5, "minute": 10, "second": 7}
